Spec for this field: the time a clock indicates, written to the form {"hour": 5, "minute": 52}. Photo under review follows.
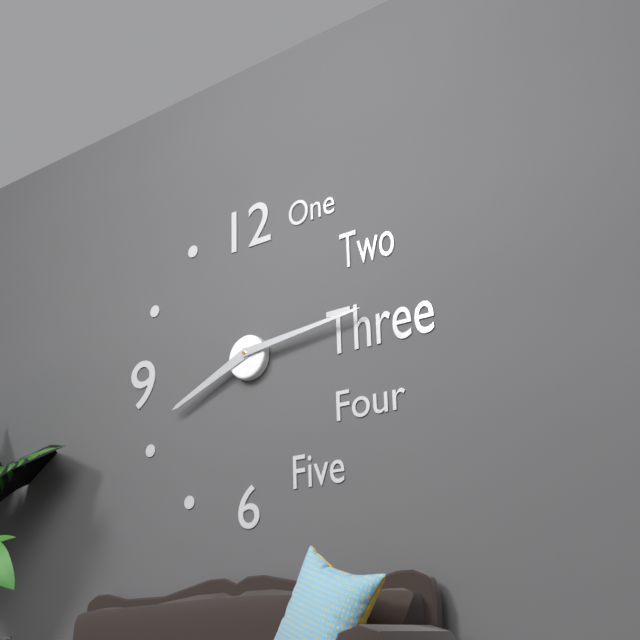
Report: {"hour": 8, "minute": 14}
